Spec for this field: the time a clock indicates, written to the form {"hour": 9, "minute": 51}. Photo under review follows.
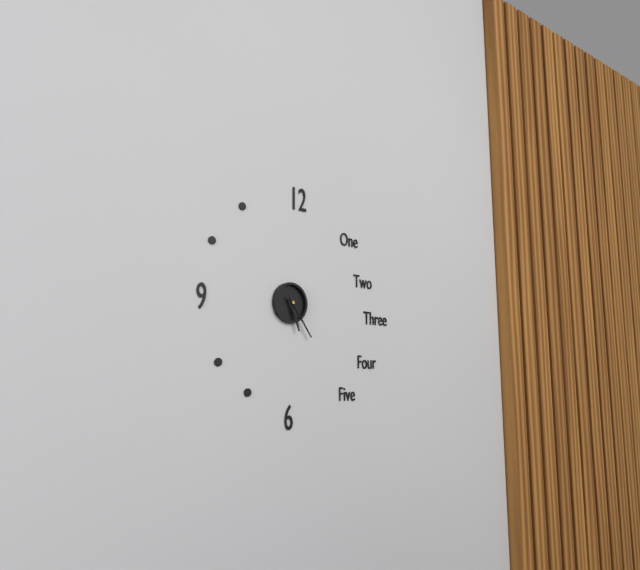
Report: {"hour": 5, "minute": 24}
